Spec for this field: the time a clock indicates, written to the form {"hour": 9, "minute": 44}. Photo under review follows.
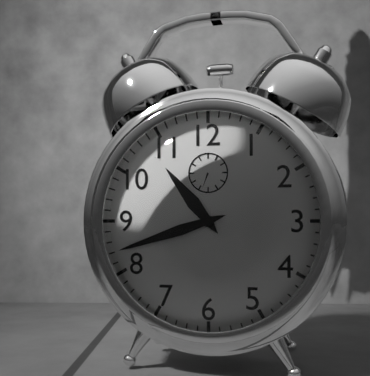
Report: {"hour": 10, "minute": 42}
